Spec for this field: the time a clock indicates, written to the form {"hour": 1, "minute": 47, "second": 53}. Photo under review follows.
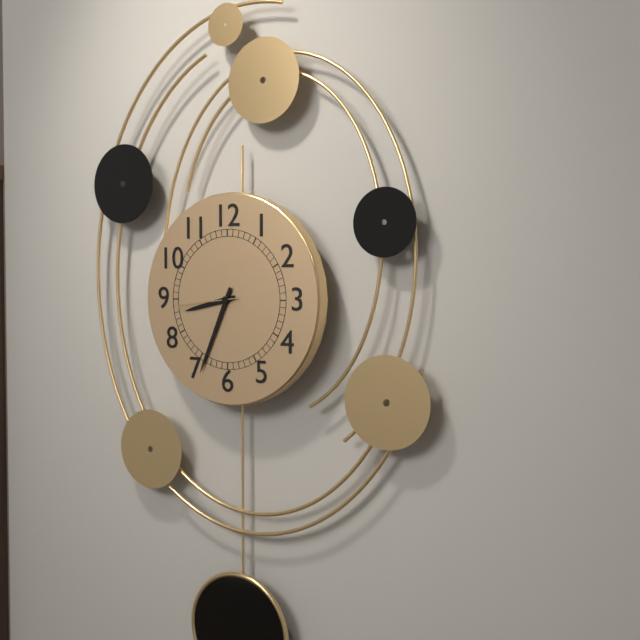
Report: {"hour": 8, "minute": 34, "second": 44}
